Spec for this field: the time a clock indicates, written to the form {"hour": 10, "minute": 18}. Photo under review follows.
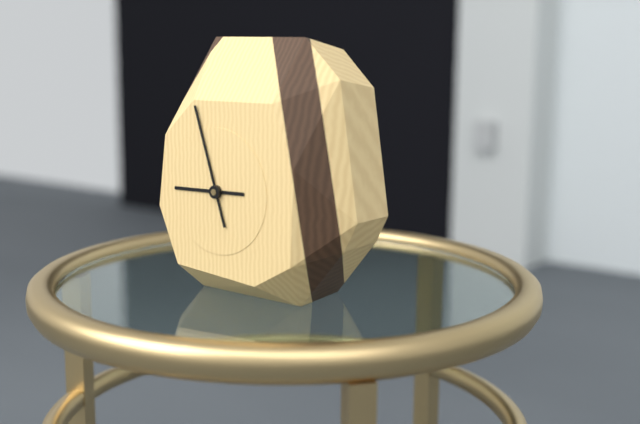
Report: {"hour": 8, "minute": 57}
